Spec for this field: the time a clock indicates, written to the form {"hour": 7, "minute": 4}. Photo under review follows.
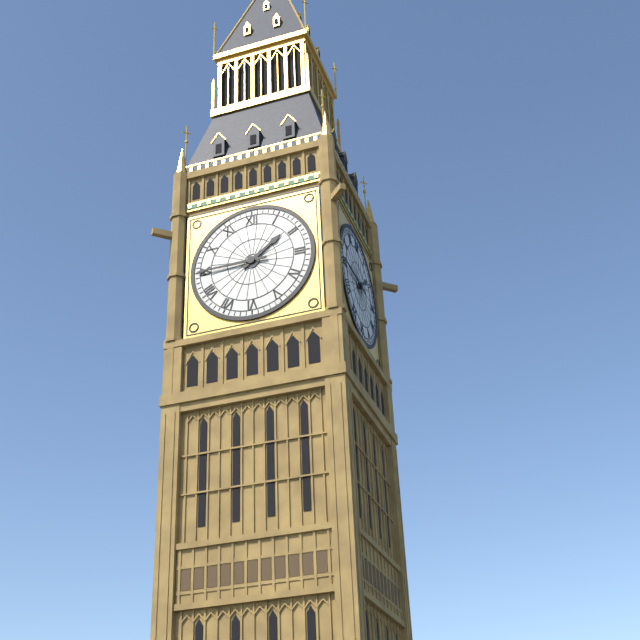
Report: {"hour": 1, "minute": 45}
